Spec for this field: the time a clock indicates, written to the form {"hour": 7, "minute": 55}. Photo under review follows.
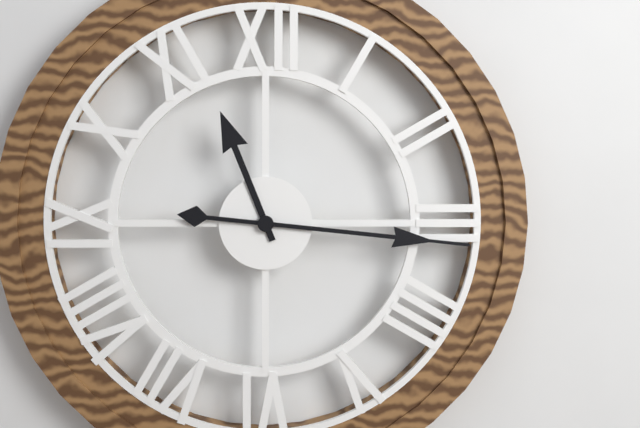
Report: {"hour": 11, "minute": 16}
